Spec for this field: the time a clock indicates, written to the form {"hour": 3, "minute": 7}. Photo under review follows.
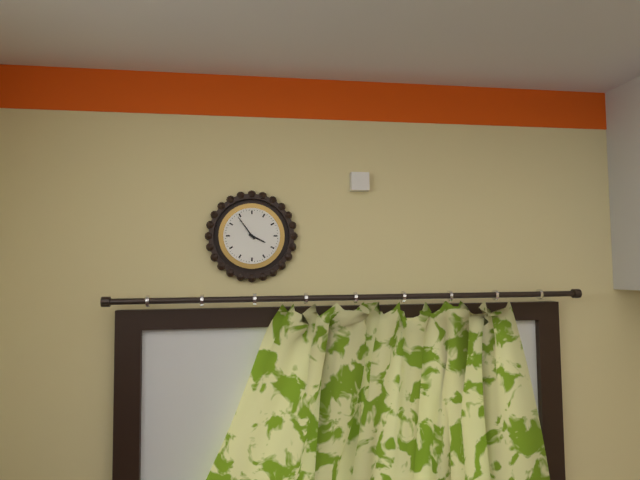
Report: {"hour": 3, "minute": 54}
